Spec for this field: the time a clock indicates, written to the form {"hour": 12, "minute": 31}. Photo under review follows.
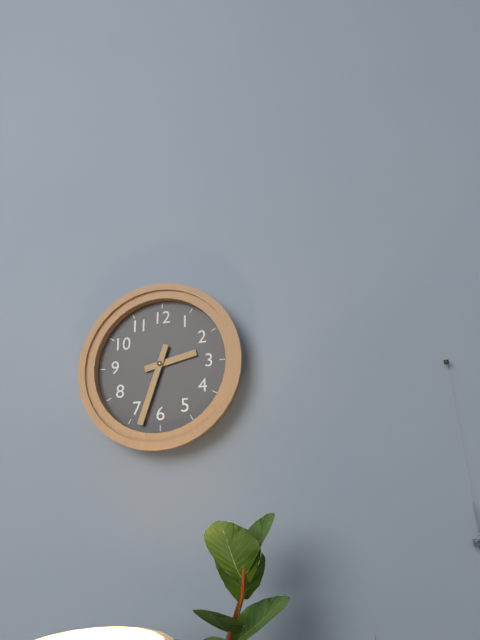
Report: {"hour": 2, "minute": 33}
